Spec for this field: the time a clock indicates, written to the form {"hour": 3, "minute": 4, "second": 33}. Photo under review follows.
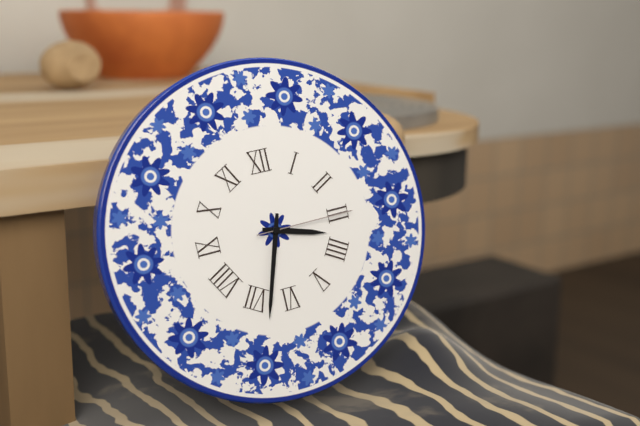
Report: {"hour": 3, "minute": 33, "second": 15}
